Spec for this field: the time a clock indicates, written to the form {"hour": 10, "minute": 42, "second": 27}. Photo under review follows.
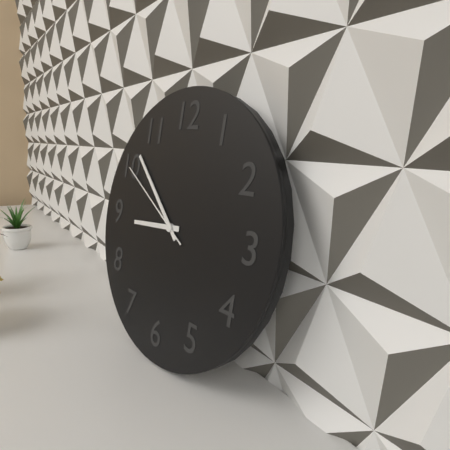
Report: {"hour": 8, "minute": 52, "second": 50}
